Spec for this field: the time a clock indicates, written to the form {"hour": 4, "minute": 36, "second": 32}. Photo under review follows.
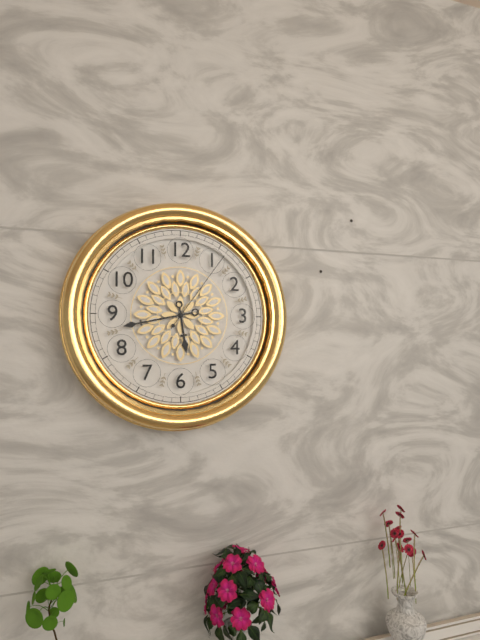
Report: {"hour": 5, "minute": 43, "second": 6}
